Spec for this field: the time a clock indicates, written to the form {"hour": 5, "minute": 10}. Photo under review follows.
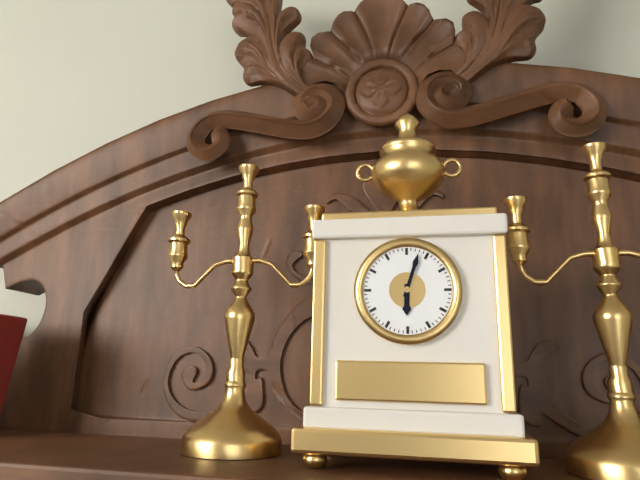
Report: {"hour": 6, "minute": 3}
